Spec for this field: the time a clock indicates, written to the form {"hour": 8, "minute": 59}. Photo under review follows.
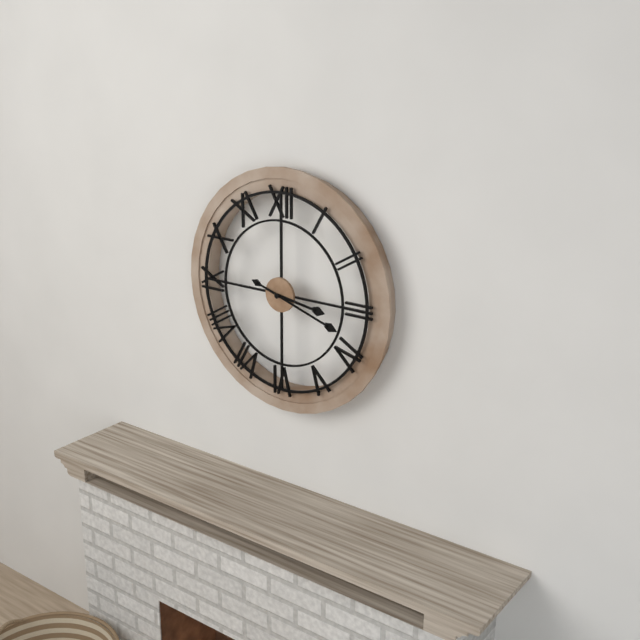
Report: {"hour": 3, "minute": 18}
